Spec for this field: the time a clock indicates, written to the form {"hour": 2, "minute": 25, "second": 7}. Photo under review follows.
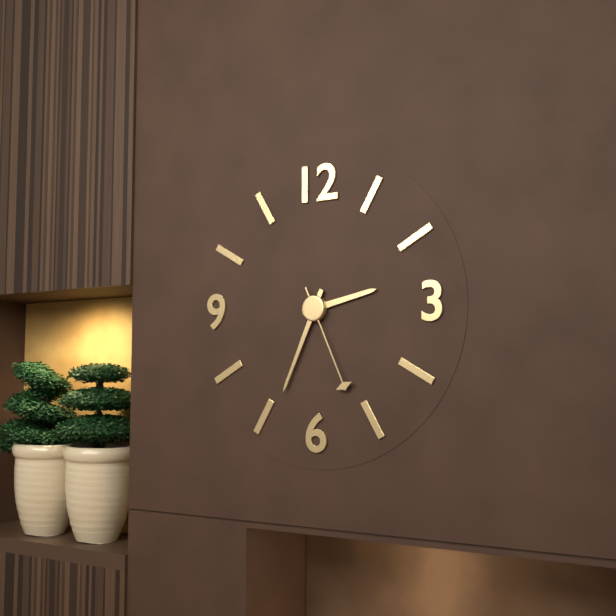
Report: {"hour": 2, "minute": 34, "second": 26}
